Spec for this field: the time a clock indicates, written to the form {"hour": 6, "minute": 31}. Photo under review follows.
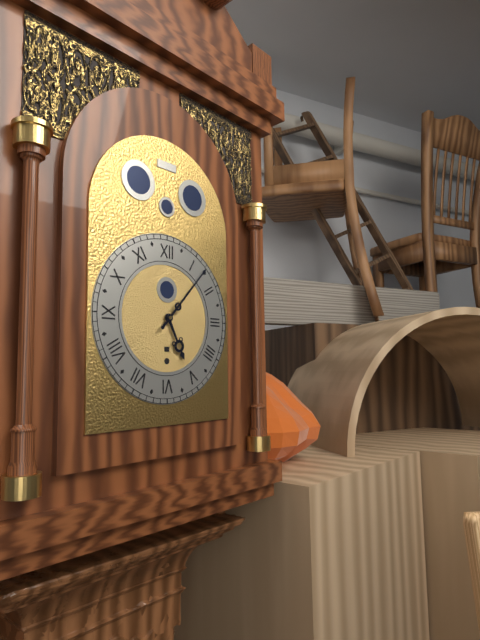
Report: {"hour": 5, "minute": 7}
